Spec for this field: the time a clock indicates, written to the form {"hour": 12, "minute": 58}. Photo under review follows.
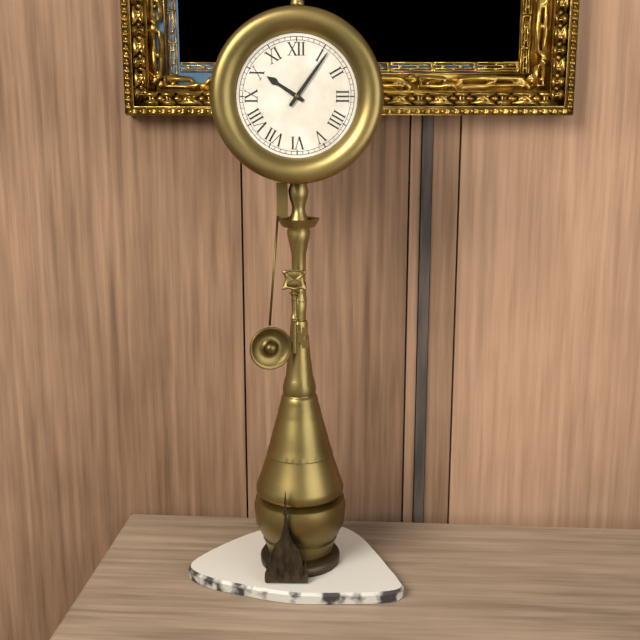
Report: {"hour": 10, "minute": 6}
